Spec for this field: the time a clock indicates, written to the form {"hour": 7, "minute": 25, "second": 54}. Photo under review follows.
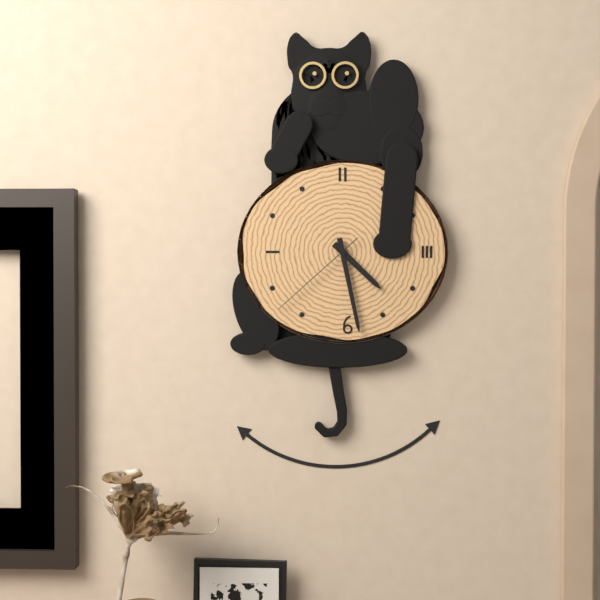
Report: {"hour": 4, "minute": 28, "second": 38}
